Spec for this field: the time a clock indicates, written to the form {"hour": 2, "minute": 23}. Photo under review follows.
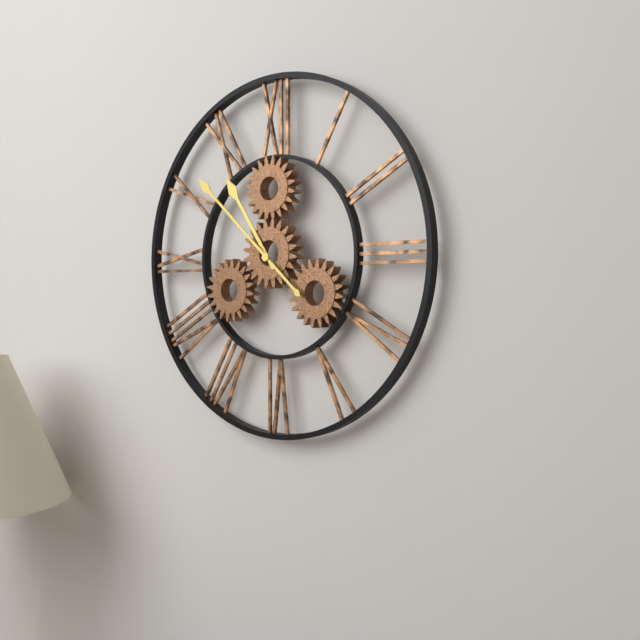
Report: {"hour": 10, "minute": 52}
